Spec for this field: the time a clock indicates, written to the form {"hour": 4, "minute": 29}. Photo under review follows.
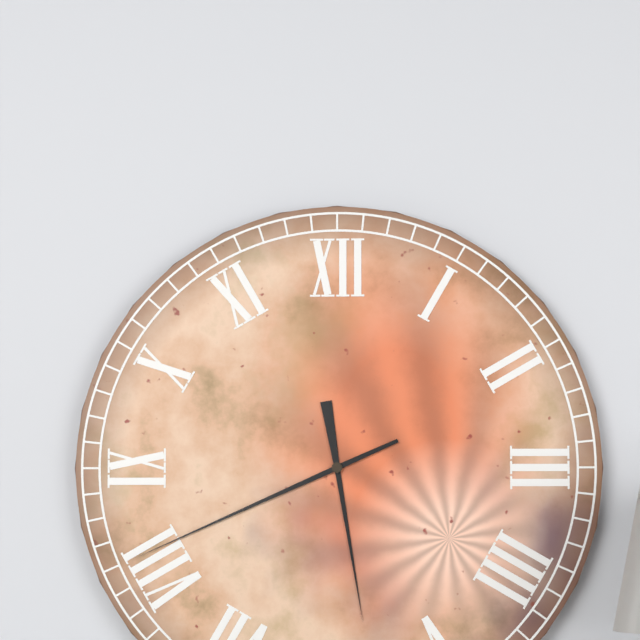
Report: {"hour": 5, "minute": 41}
